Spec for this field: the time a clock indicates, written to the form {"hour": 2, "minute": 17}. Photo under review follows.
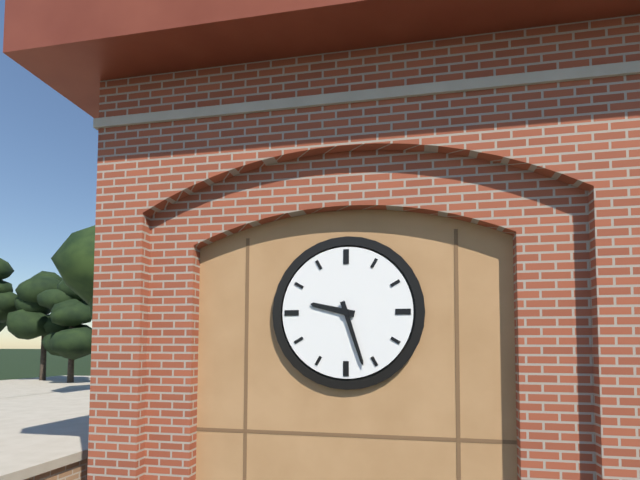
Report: {"hour": 9, "minute": 27}
